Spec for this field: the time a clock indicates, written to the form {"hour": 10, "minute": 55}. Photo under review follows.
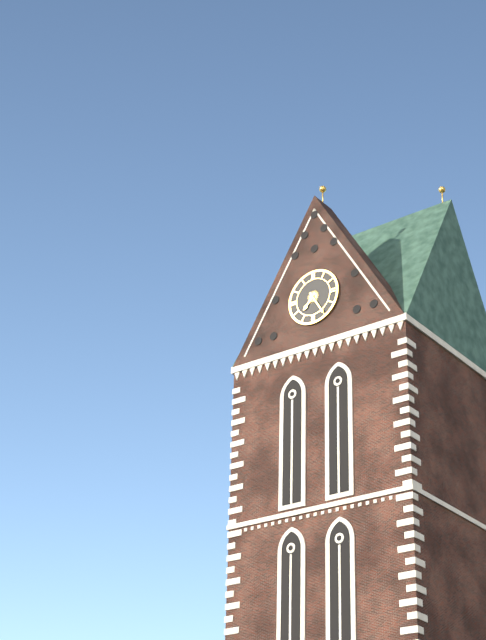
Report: {"hour": 7, "minute": 25}
